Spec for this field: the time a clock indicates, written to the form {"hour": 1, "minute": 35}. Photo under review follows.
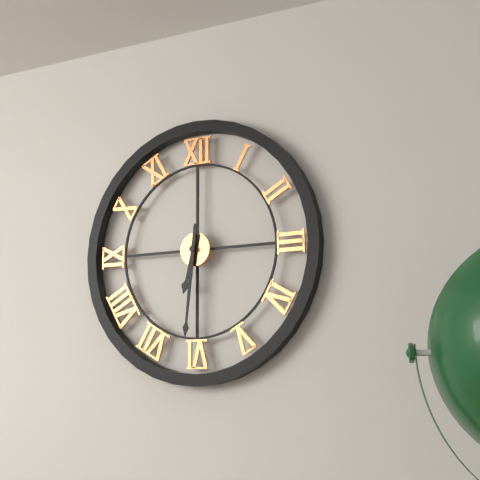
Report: {"hour": 6, "minute": 31}
